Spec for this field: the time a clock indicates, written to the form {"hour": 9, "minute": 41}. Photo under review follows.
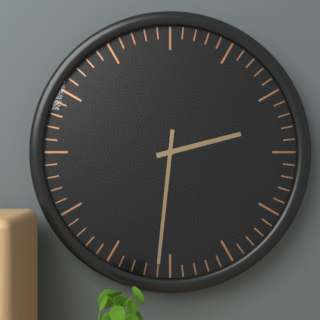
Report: {"hour": 2, "minute": 31}
